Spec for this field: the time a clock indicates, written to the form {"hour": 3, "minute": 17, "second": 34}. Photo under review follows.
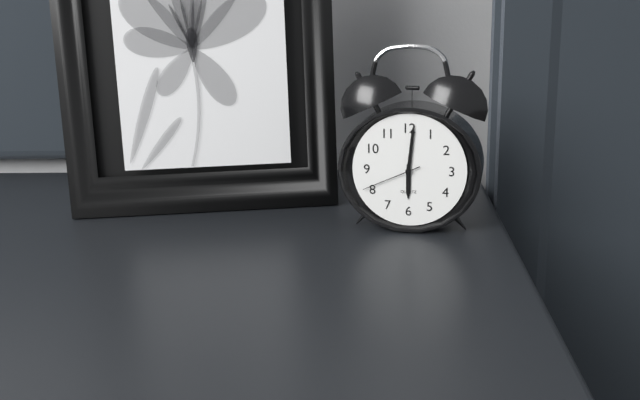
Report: {"hour": 6, "minute": 1, "second": 41}
